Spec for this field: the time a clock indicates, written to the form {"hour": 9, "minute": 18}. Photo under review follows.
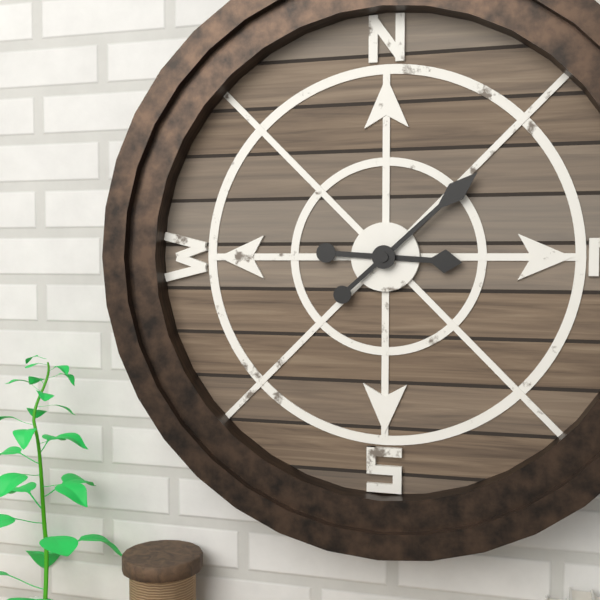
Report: {"hour": 3, "minute": 8}
